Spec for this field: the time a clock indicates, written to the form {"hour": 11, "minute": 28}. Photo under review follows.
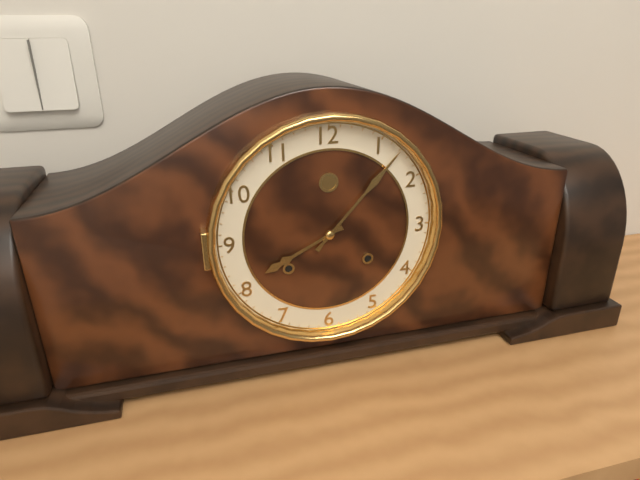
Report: {"hour": 8, "minute": 7}
